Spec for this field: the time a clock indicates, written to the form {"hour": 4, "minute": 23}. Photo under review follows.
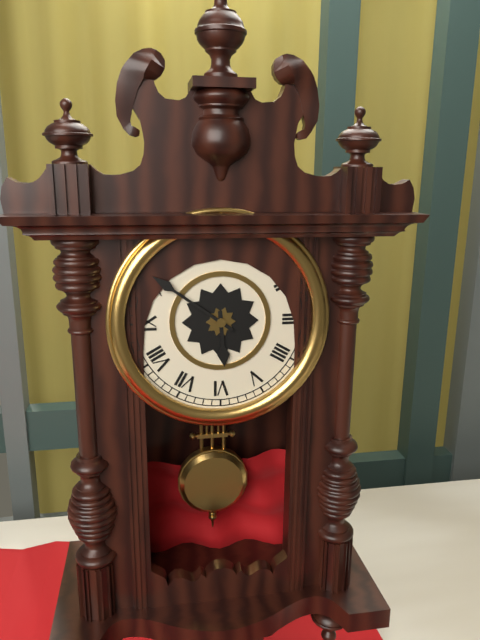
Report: {"hour": 5, "minute": 51}
